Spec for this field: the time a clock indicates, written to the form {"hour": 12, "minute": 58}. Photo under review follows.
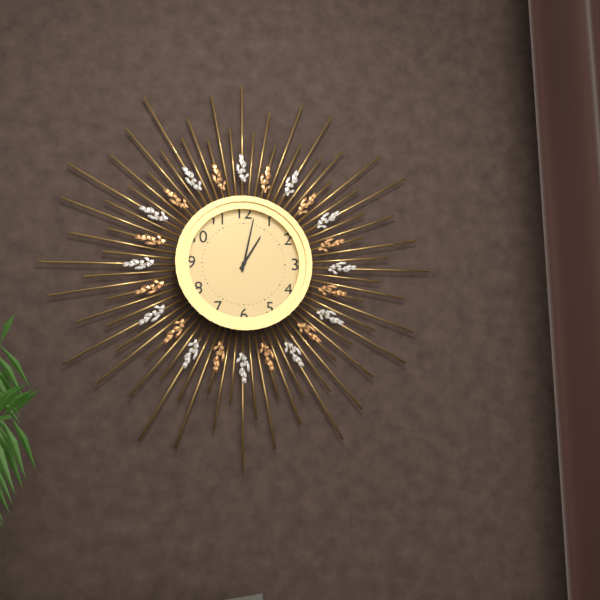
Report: {"hour": 1, "minute": 2}
